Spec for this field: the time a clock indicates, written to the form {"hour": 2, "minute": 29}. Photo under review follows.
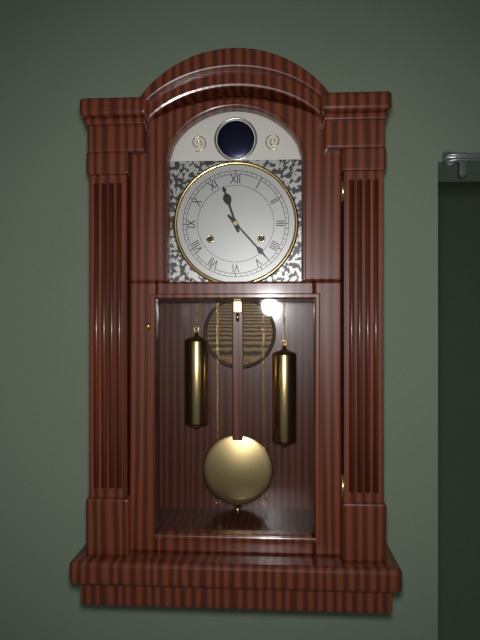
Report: {"hour": 11, "minute": 23}
